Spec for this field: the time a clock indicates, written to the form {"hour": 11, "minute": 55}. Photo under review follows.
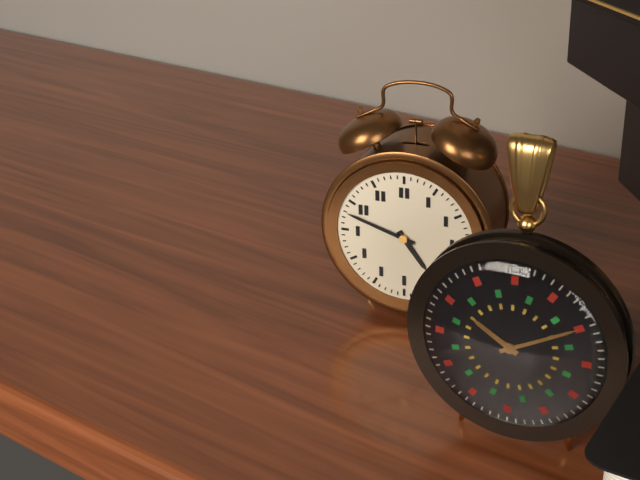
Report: {"hour": 4, "minute": 48}
